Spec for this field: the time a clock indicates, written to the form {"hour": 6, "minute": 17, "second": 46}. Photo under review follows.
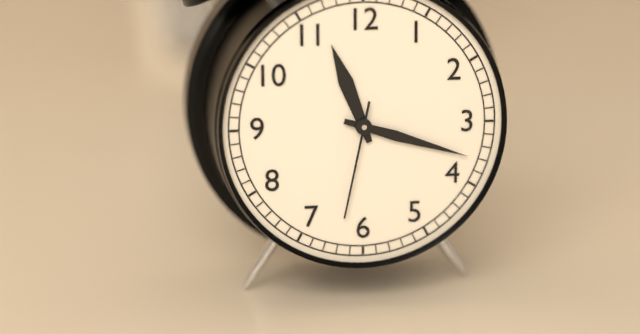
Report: {"hour": 11, "minute": 18, "second": 32}
